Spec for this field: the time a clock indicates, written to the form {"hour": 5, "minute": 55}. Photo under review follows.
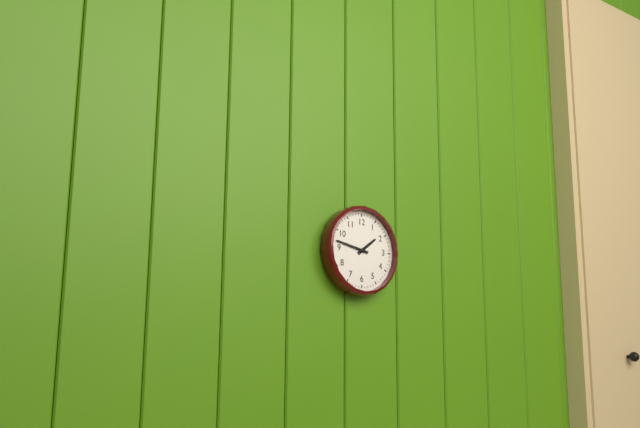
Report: {"hour": 1, "minute": 47}
